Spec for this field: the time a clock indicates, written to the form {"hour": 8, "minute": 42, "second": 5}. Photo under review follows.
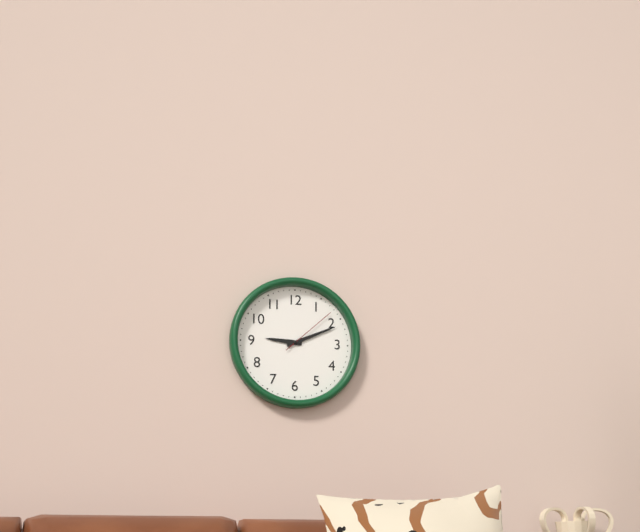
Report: {"hour": 9, "minute": 11, "second": 8}
